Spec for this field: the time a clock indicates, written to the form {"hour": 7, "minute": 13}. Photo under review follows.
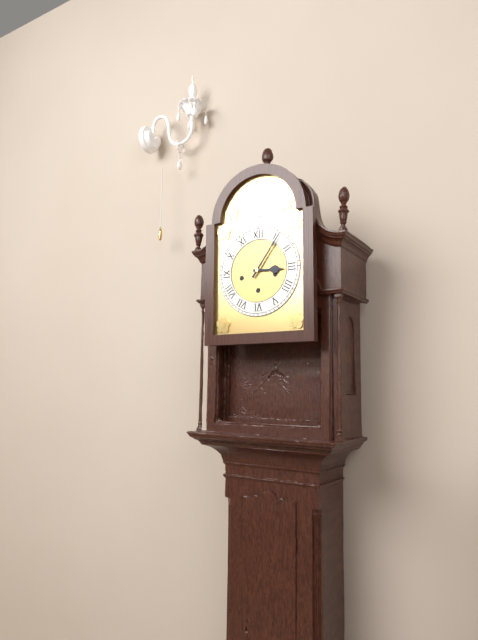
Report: {"hour": 3, "minute": 6}
